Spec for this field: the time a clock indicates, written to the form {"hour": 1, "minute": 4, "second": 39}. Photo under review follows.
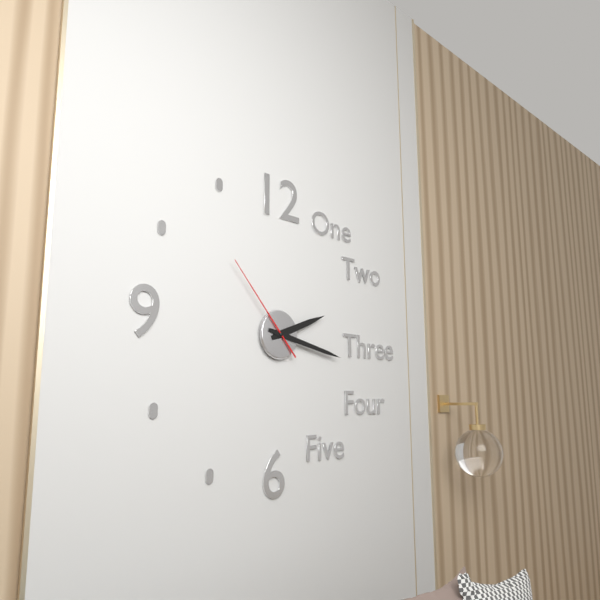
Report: {"hour": 2, "minute": 17, "second": 53}
